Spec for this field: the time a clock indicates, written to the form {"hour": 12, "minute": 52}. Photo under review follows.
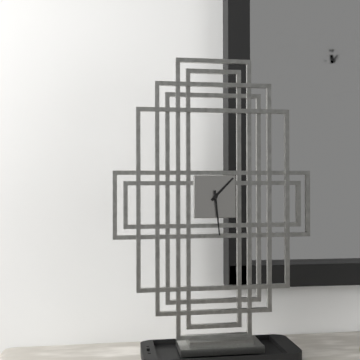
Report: {"hour": 1, "minute": 29}
